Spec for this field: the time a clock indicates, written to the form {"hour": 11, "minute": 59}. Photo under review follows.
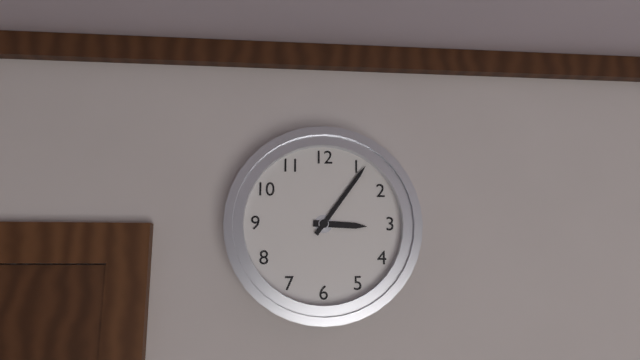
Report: {"hour": 3, "minute": 6}
